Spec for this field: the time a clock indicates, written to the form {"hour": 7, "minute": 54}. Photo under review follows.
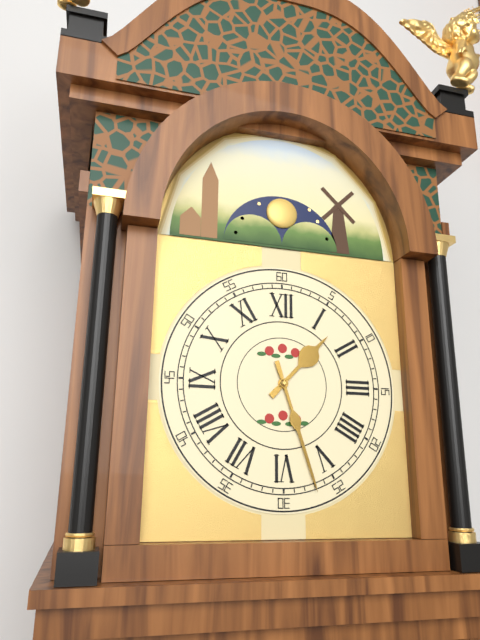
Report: {"hour": 1, "minute": 27}
